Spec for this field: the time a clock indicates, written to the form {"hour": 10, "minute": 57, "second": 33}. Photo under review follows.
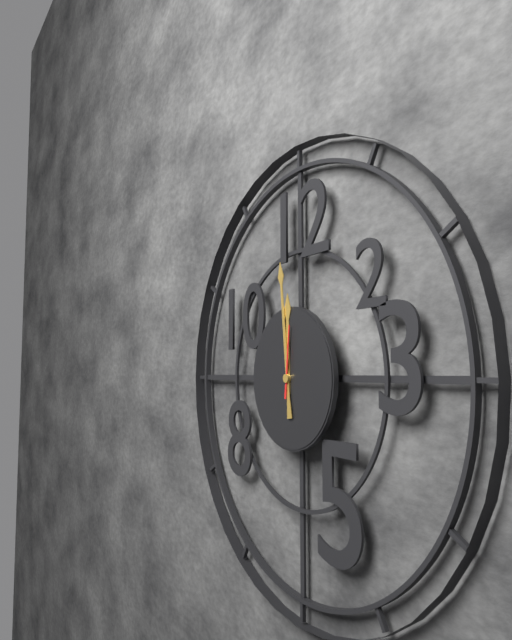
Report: {"hour": 11, "minute": 59, "second": 1}
